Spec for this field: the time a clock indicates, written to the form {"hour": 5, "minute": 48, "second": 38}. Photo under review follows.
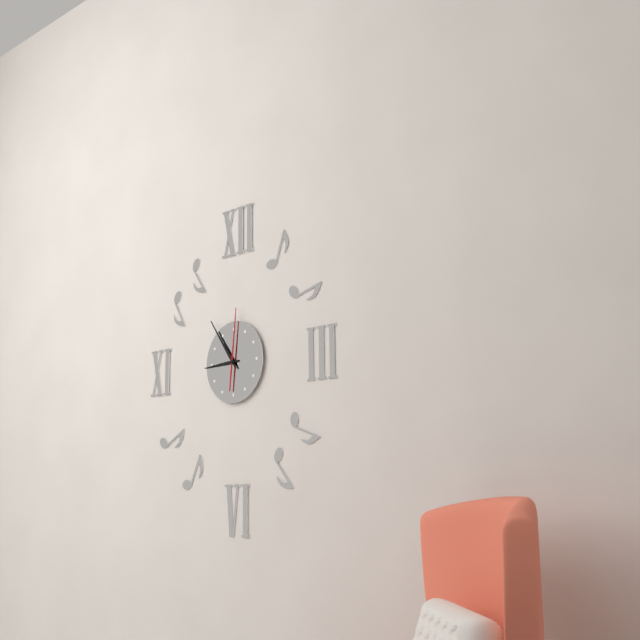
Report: {"hour": 8, "minute": 54, "second": 1}
